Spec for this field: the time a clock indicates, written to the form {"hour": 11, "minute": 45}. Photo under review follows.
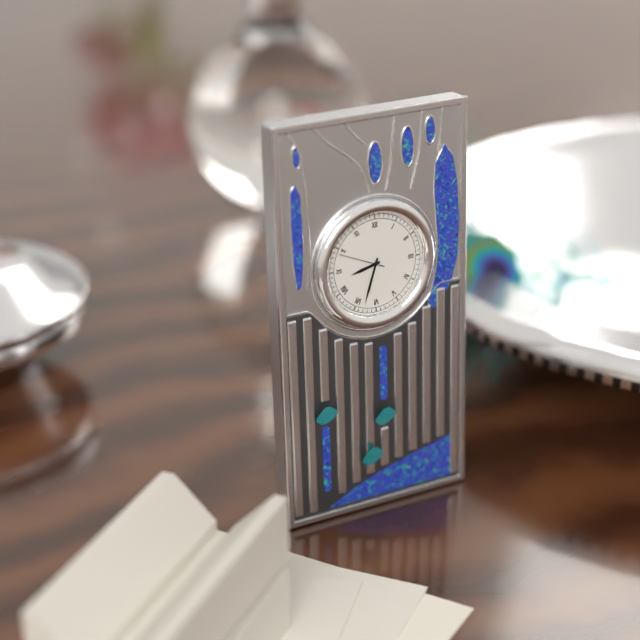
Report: {"hour": 8, "minute": 33}
